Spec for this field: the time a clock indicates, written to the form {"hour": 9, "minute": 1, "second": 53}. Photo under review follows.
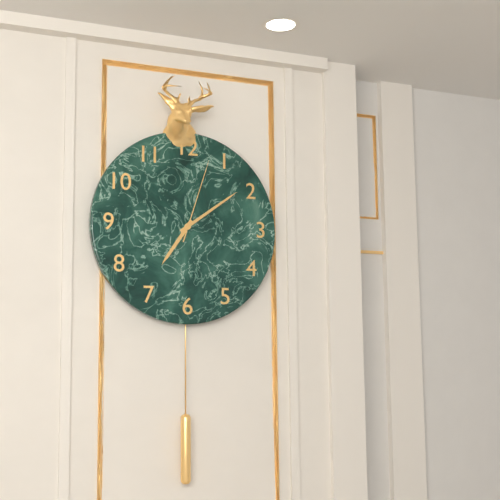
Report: {"hour": 7, "minute": 9, "second": 3}
